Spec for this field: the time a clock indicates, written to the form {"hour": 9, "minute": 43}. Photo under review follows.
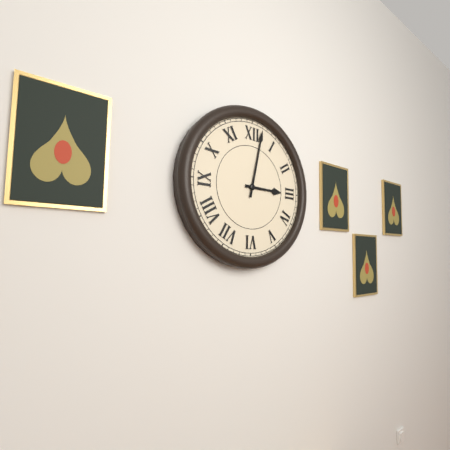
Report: {"hour": 3, "minute": 2}
